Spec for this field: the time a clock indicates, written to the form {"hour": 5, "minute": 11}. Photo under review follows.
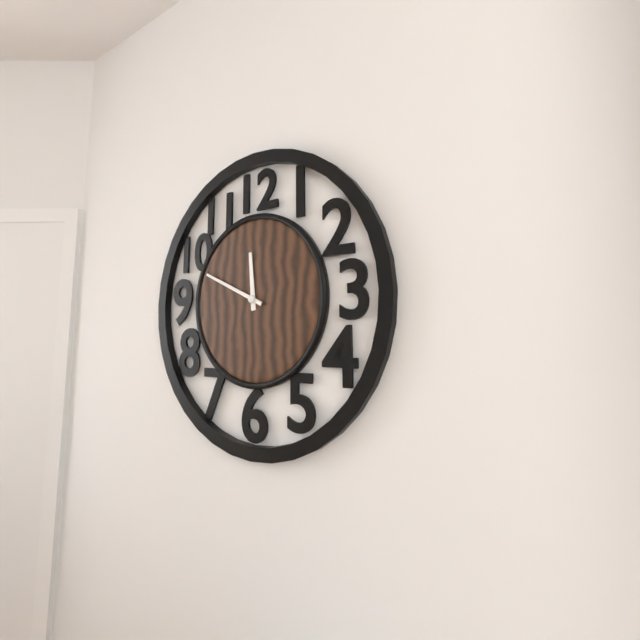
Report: {"hour": 11, "minute": 49}
